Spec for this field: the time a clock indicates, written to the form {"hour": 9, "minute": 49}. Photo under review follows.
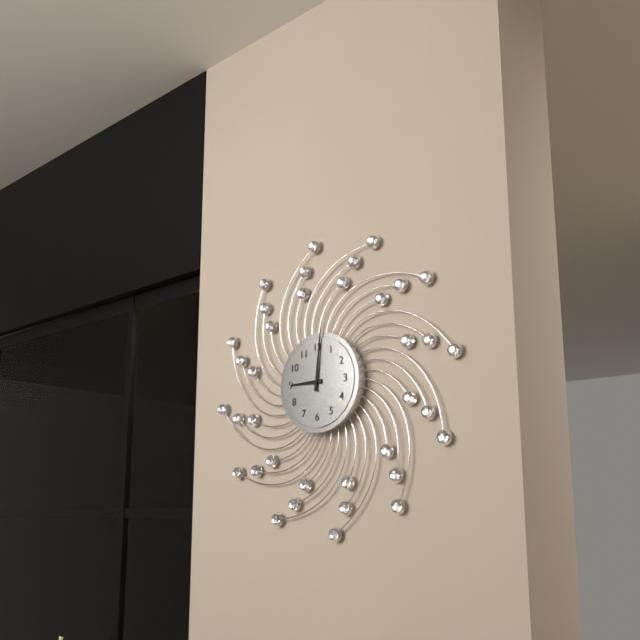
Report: {"hour": 9, "minute": 1}
